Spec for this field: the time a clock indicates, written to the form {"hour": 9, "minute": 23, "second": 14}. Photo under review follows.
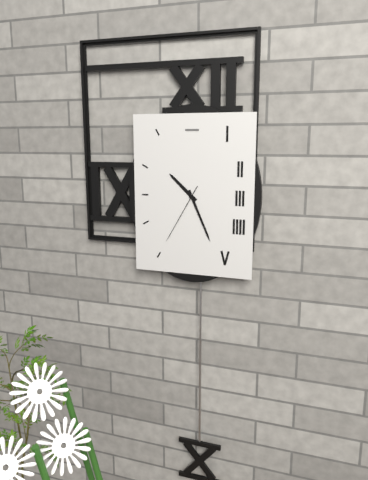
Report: {"hour": 10, "minute": 26, "second": 35}
